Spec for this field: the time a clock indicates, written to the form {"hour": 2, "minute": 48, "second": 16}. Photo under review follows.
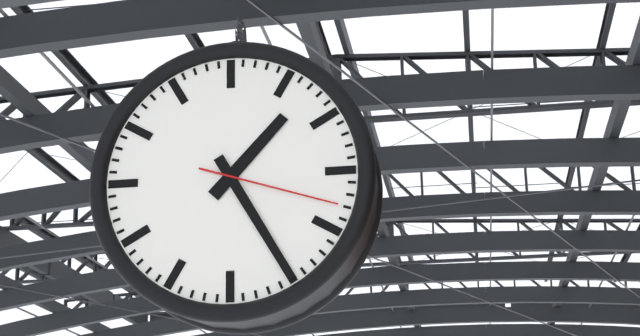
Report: {"hour": 1, "minute": 25, "second": 18}
